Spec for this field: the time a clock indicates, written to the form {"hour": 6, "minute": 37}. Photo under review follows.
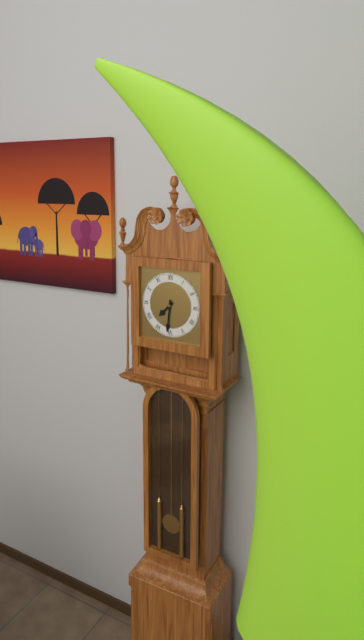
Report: {"hour": 7, "minute": 31}
